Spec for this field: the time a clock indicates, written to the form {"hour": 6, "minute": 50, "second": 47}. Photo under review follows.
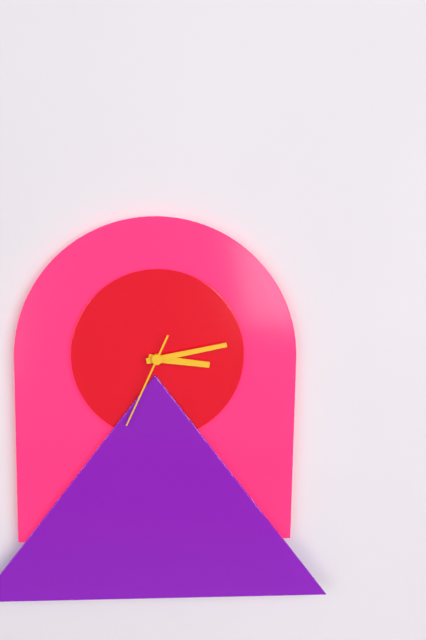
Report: {"hour": 3, "minute": 13, "second": 34}
